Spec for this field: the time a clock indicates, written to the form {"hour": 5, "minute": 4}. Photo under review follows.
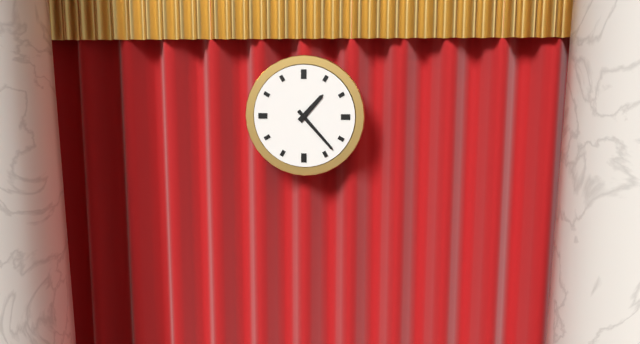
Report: {"hour": 1, "minute": 23}
